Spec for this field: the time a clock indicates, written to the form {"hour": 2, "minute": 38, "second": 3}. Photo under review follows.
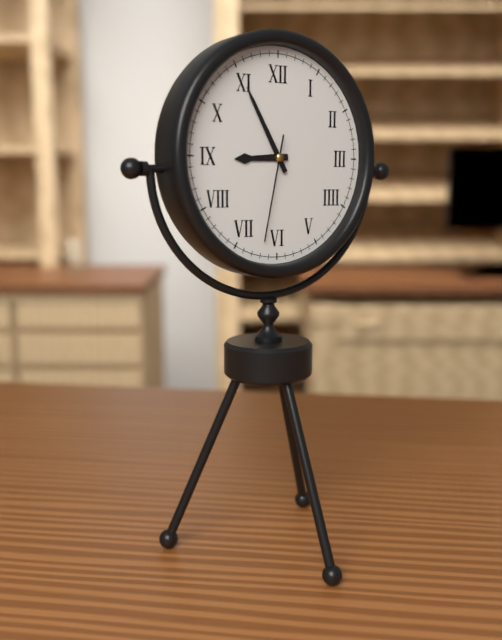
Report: {"hour": 8, "minute": 55, "second": 32}
